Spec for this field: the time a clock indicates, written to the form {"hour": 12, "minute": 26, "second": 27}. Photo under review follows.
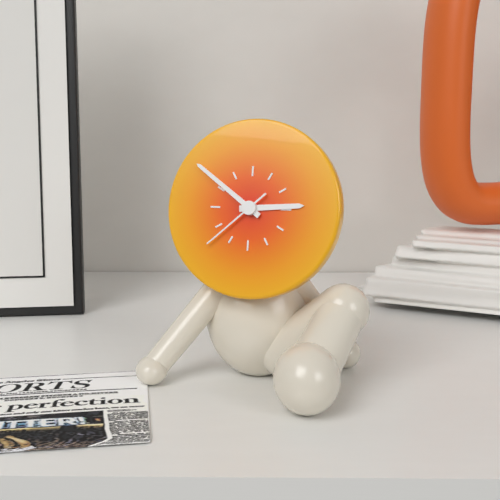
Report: {"hour": 2, "minute": 51, "second": 38}
